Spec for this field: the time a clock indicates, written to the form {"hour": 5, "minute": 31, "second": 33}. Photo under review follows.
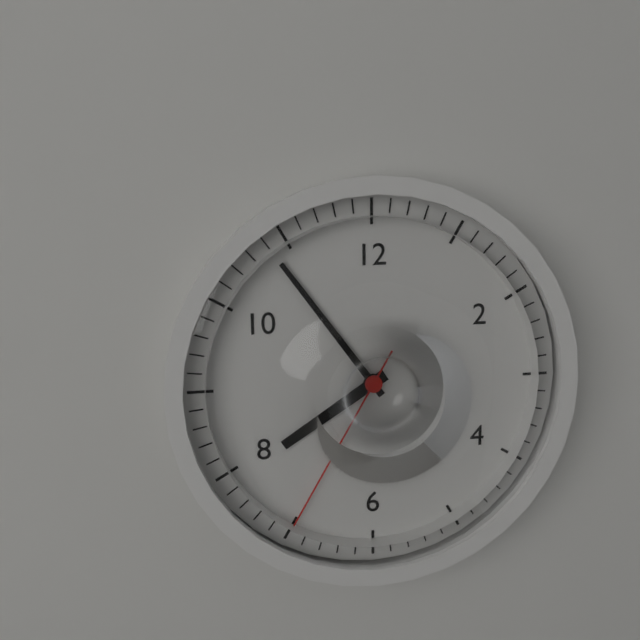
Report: {"hour": 7, "minute": 54, "second": 35}
